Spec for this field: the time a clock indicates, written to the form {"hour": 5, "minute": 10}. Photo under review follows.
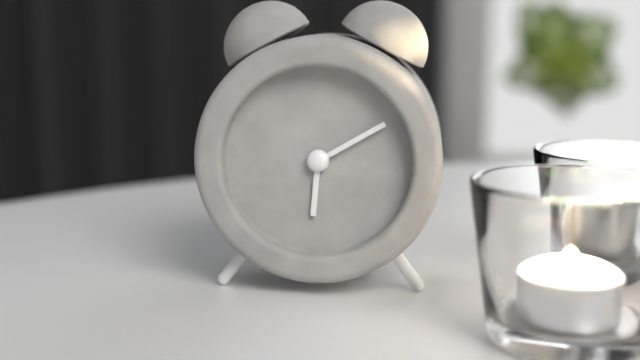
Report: {"hour": 6, "minute": 10}
